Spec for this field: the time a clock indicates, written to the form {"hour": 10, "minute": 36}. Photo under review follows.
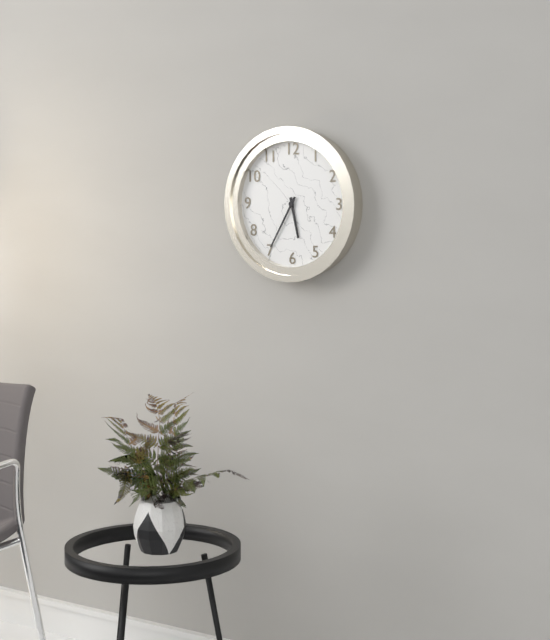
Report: {"hour": 5, "minute": 35}
